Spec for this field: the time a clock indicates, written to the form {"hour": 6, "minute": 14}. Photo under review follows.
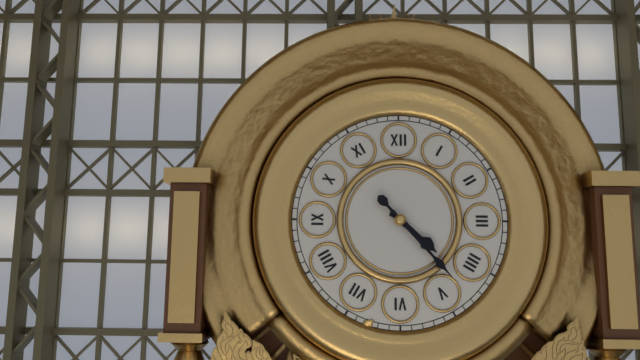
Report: {"hour": 4, "minute": 23}
